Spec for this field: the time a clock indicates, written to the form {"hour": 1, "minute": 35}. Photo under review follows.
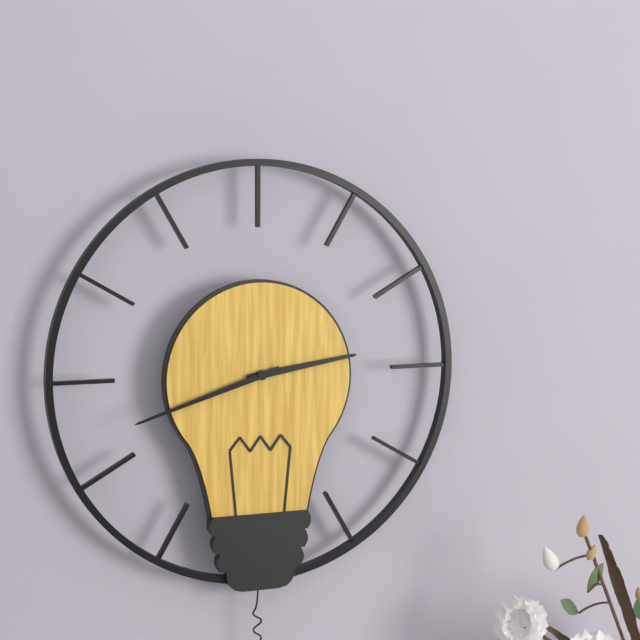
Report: {"hour": 2, "minute": 42}
